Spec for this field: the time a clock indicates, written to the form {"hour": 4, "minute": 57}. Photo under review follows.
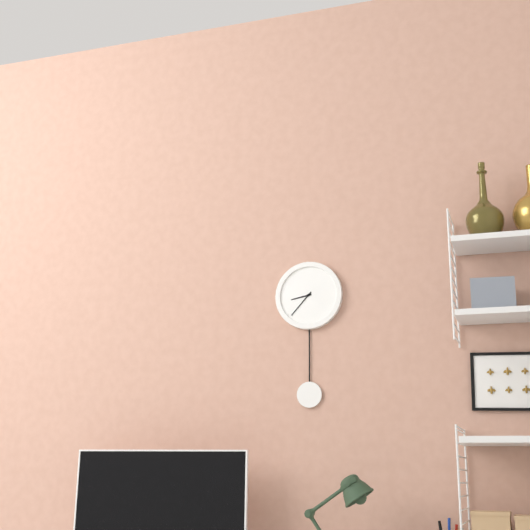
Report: {"hour": 8, "minute": 37}
